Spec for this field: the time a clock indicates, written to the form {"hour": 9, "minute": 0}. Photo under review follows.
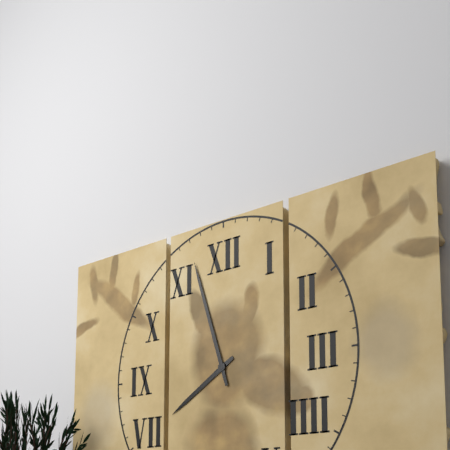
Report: {"hour": 7, "minute": 57}
